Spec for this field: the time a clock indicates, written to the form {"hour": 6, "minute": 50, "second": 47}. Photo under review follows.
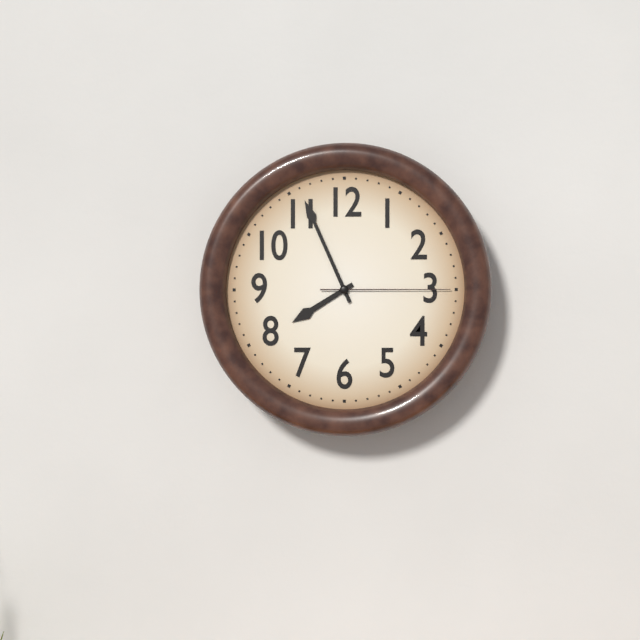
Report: {"hour": 7, "minute": 56, "second": 15}
